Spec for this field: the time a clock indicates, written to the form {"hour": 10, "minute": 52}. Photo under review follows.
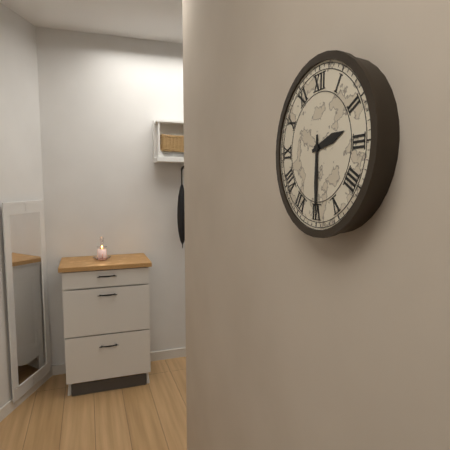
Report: {"hour": 2, "minute": 30}
